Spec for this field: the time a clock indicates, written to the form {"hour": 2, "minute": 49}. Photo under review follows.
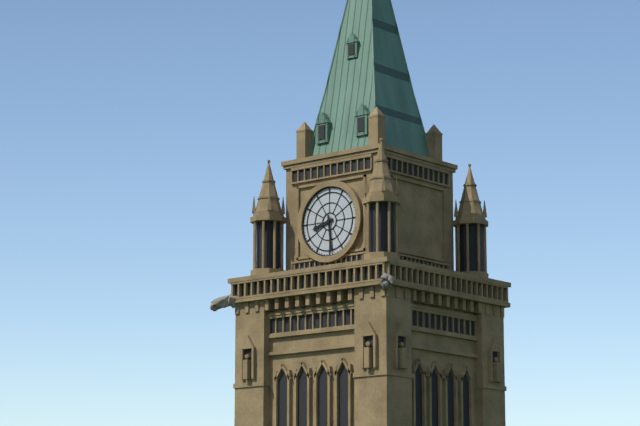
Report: {"hour": 8, "minute": 29}
